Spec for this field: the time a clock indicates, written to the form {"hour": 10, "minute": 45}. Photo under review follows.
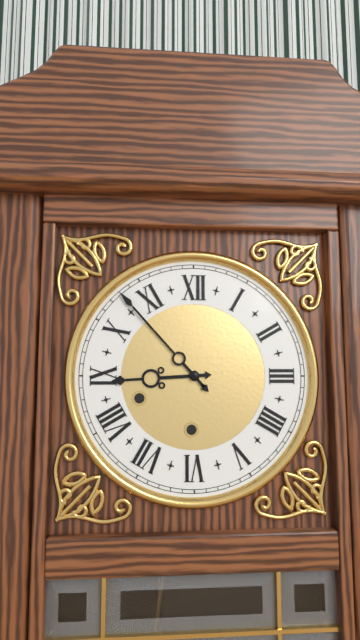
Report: {"hour": 8, "minute": 53}
